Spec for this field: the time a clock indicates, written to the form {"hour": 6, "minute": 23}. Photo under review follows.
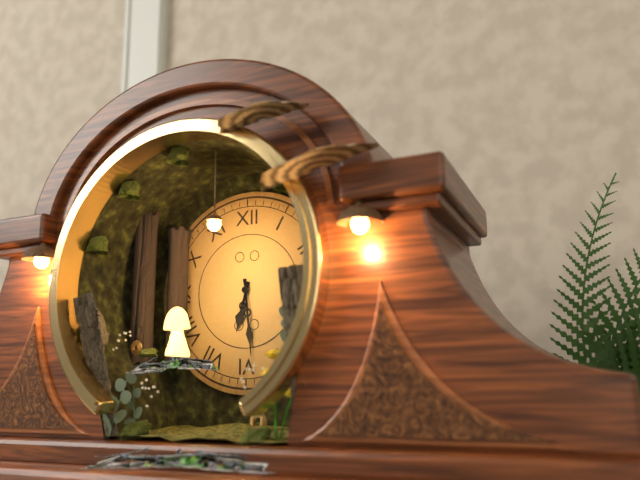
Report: {"hour": 6, "minute": 29}
